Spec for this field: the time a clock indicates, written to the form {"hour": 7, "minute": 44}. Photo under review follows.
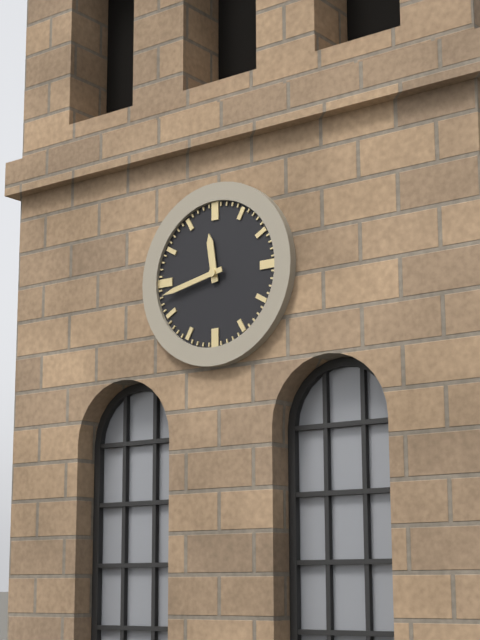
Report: {"hour": 11, "minute": 43}
